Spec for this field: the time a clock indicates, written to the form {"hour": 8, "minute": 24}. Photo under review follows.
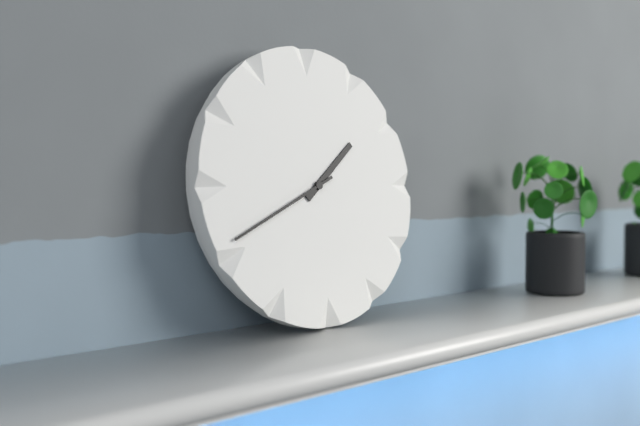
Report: {"hour": 1, "minute": 41}
